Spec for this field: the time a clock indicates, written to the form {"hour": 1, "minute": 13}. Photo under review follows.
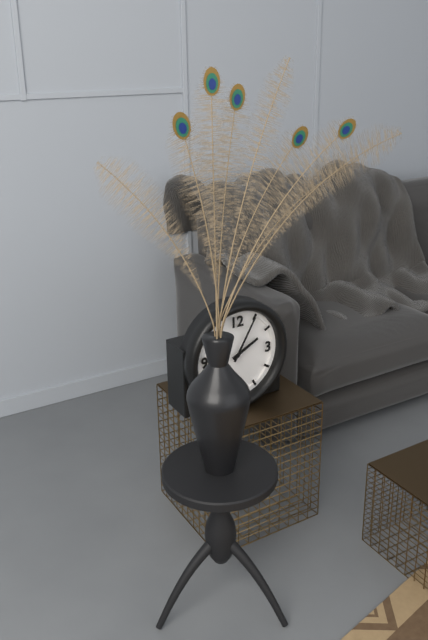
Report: {"hour": 2, "minute": 5}
